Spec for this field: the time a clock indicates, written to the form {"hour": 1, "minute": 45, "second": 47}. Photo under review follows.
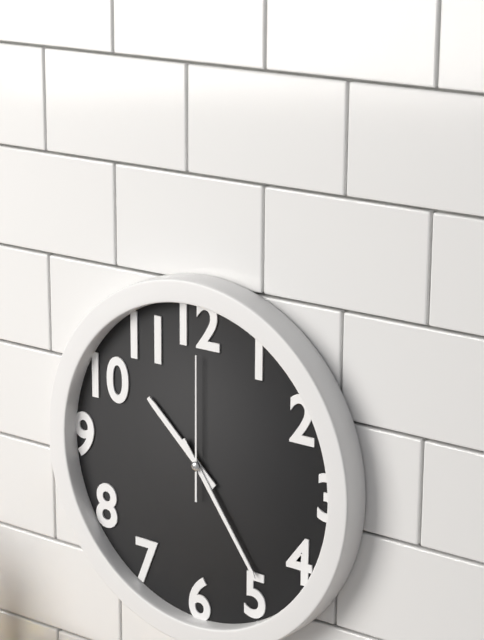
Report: {"hour": 10, "minute": 24, "second": 0}
